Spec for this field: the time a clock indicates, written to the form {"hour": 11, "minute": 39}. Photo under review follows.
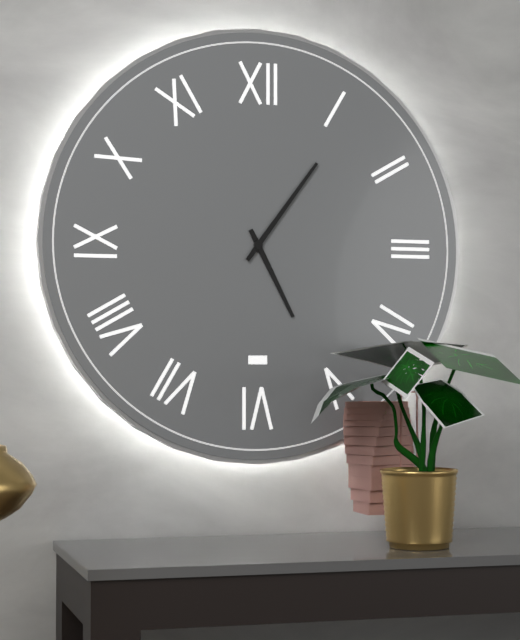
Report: {"hour": 5, "minute": 6}
